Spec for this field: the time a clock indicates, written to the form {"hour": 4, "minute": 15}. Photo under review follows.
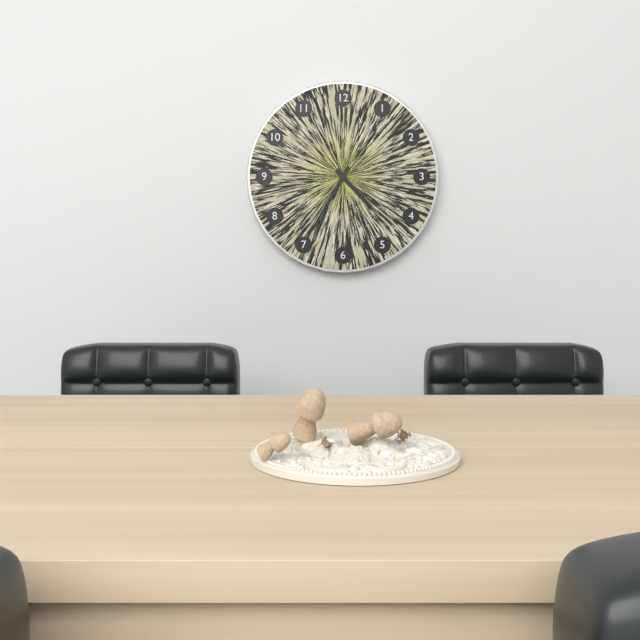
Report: {"hour": 4, "minute": 35}
